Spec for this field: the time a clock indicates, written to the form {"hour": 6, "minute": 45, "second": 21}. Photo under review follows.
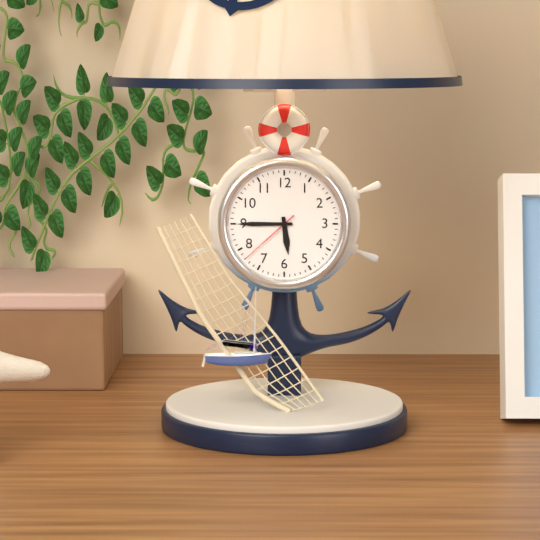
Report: {"hour": 5, "minute": 45, "second": 38}
